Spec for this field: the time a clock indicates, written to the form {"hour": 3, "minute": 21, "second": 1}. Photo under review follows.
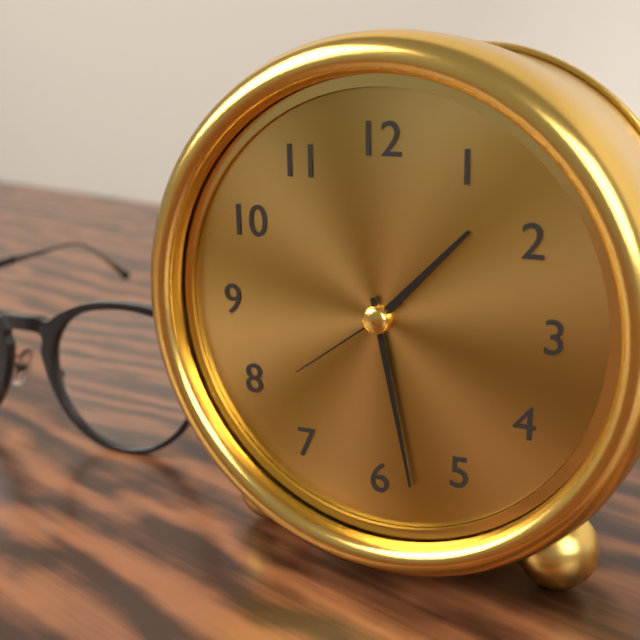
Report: {"hour": 1, "minute": 28, "second": 39}
